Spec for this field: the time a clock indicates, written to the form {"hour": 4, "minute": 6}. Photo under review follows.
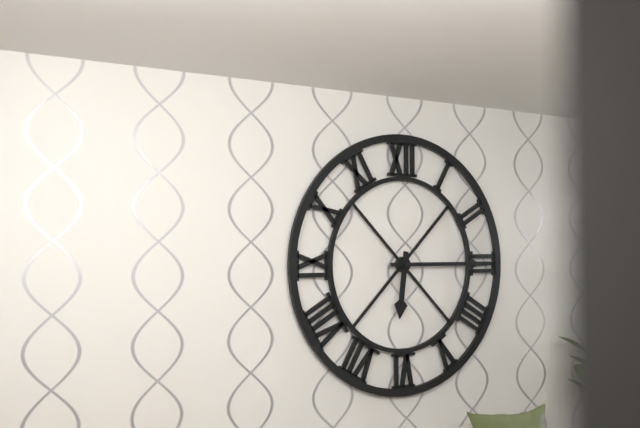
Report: {"hour": 6, "minute": 15}
